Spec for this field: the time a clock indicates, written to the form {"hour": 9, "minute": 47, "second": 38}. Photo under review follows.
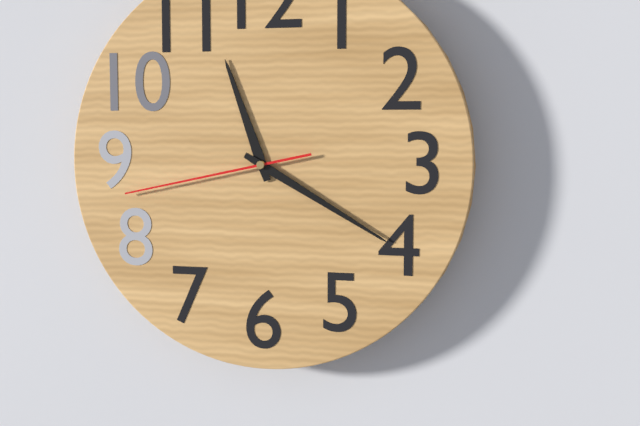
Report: {"hour": 11, "minute": 20, "second": 43}
